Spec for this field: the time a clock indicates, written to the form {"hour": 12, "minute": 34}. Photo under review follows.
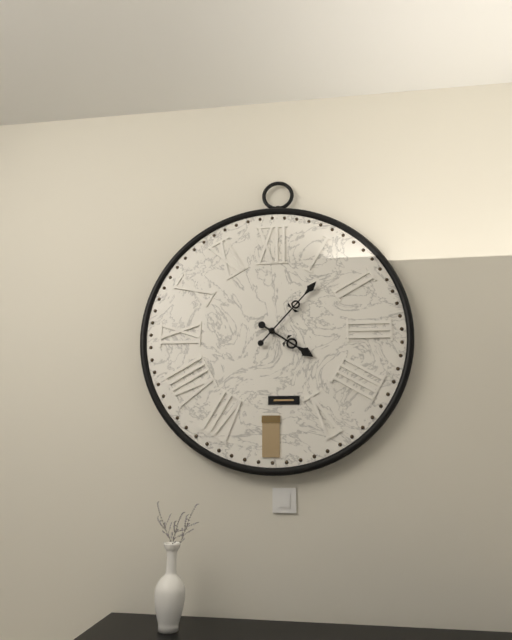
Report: {"hour": 4, "minute": 7}
